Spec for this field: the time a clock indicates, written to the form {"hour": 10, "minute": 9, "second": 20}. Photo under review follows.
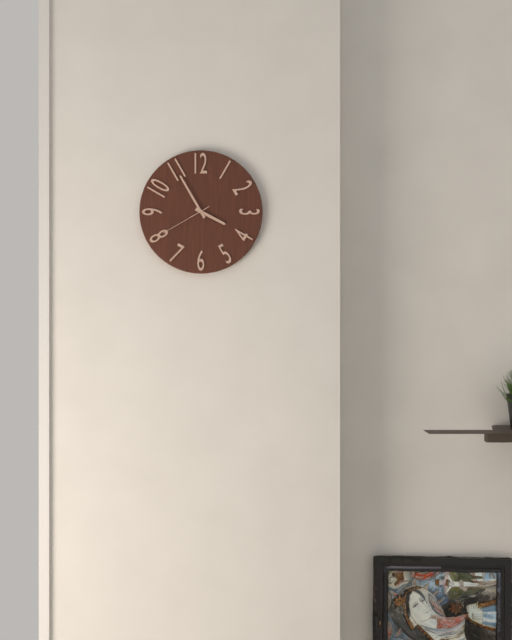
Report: {"hour": 3, "minute": 55, "second": 40}
